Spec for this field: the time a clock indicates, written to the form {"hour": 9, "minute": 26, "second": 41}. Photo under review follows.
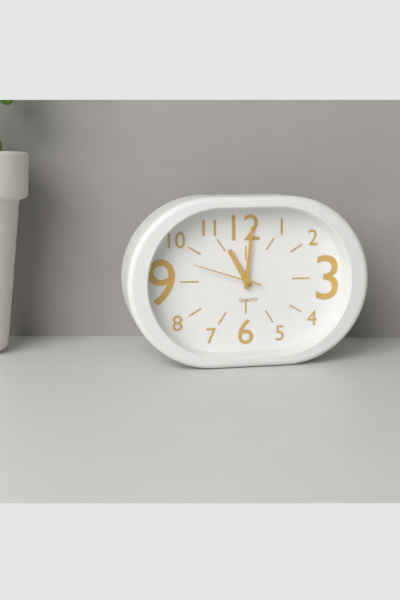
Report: {"hour": 11, "minute": 1, "second": 48}
